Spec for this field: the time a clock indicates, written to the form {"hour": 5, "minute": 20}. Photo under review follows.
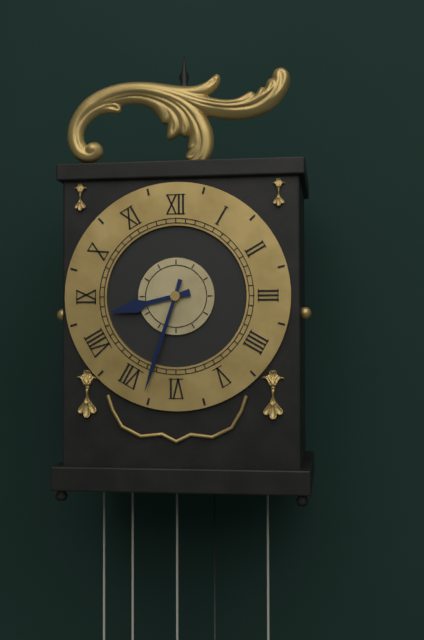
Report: {"hour": 8, "minute": 33}
